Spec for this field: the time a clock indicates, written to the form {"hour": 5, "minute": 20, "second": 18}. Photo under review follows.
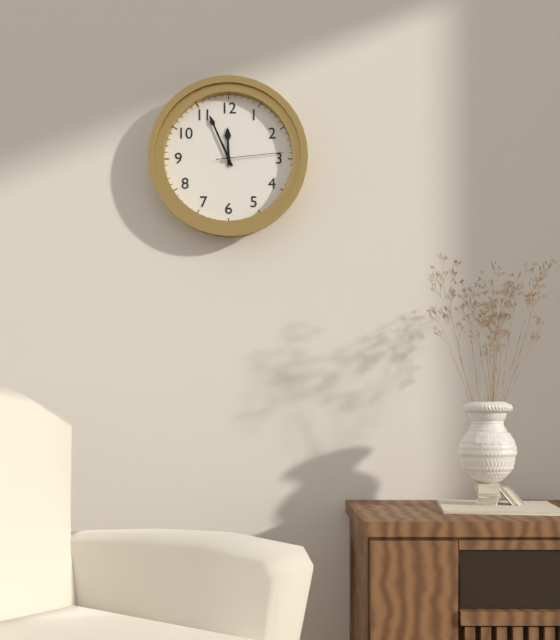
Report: {"hour": 11, "minute": 56, "second": 14}
